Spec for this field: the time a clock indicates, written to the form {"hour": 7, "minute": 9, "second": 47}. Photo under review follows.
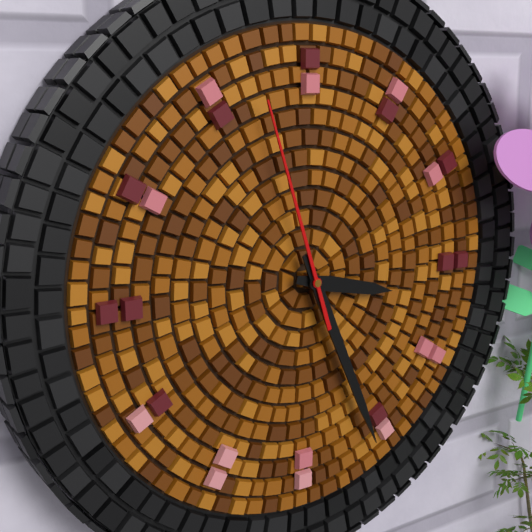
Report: {"hour": 3, "minute": 26, "second": 57}
